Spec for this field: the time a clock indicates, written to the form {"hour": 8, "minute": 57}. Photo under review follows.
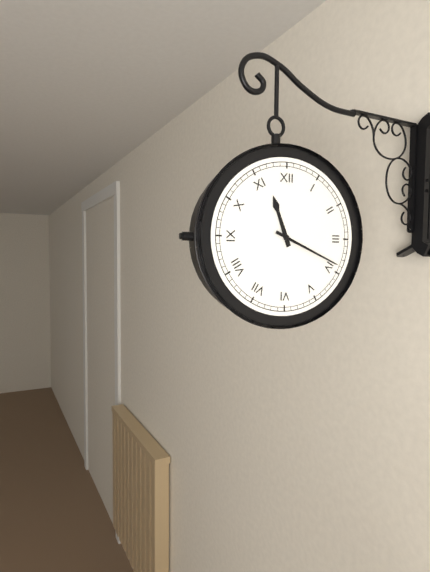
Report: {"hour": 11, "minute": 19}
